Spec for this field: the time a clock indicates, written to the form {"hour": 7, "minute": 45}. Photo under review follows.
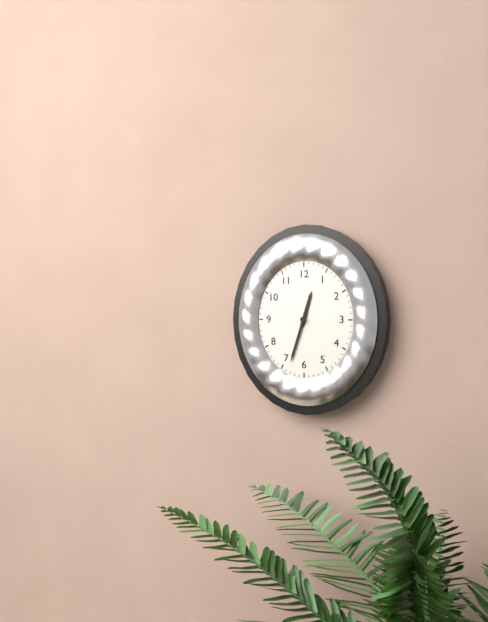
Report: {"hour": 12, "minute": 33}
